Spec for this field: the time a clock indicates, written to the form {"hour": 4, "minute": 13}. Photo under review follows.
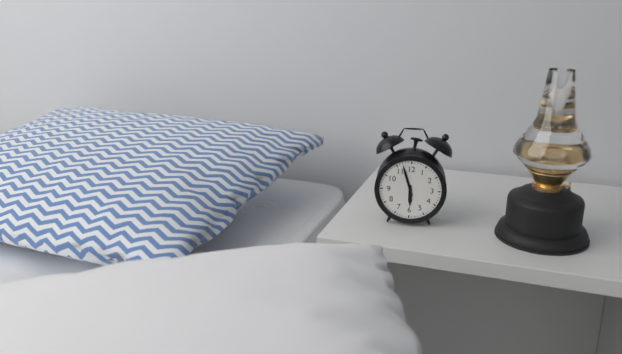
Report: {"hour": 5, "minute": 57}
